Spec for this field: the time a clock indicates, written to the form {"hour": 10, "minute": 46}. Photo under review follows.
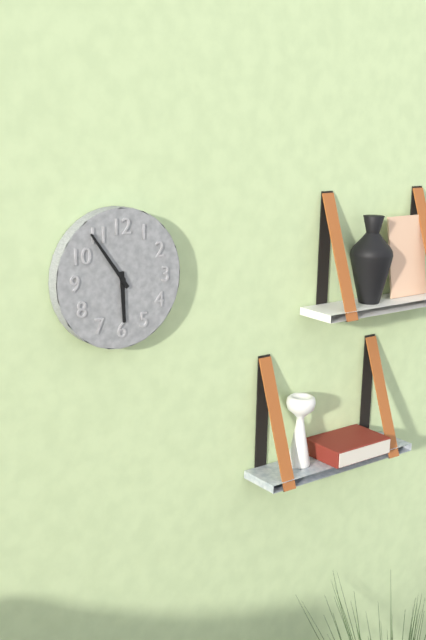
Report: {"hour": 5, "minute": 54}
